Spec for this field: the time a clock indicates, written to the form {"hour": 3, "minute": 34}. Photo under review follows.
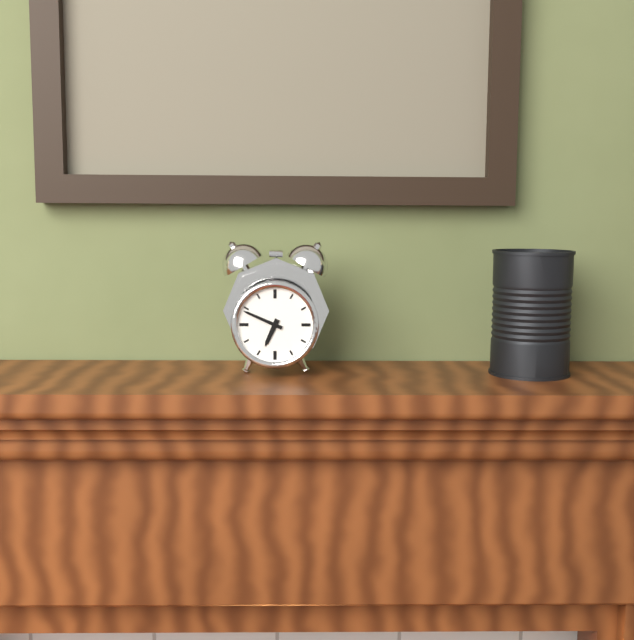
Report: {"hour": 6, "minute": 49}
